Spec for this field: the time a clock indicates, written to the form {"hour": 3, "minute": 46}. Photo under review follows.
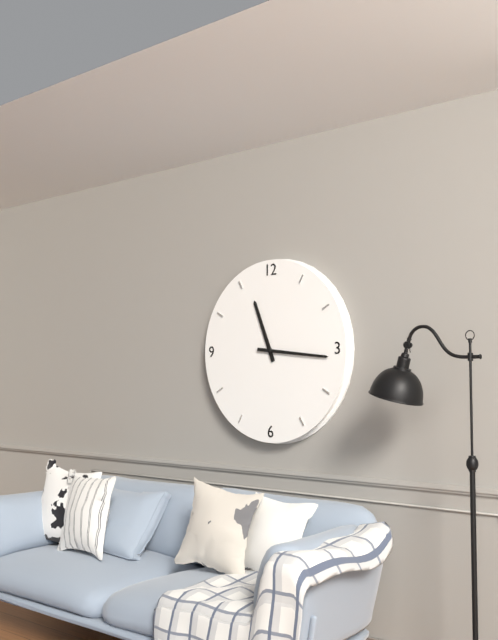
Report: {"hour": 11, "minute": 16}
